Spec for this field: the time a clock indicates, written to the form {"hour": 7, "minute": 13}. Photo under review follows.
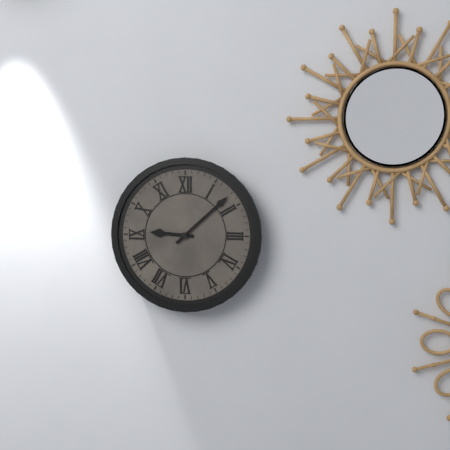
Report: {"hour": 9, "minute": 8}
